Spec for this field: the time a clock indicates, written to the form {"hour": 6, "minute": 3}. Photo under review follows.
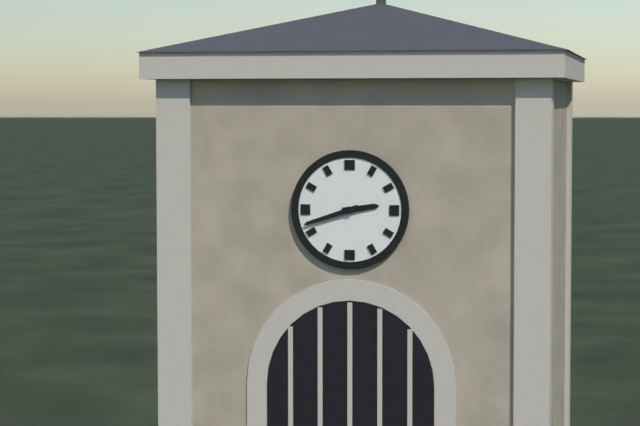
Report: {"hour": 2, "minute": 42}
